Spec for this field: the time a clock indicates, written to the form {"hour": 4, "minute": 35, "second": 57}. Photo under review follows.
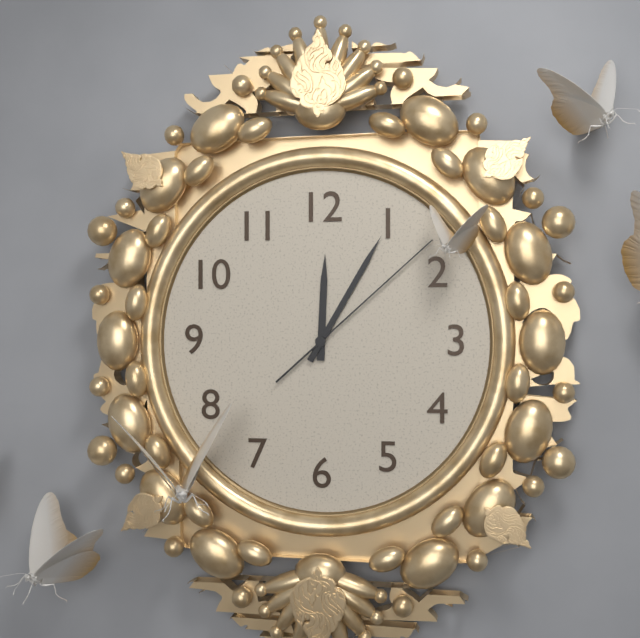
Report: {"hour": 12, "minute": 5, "second": 8}
